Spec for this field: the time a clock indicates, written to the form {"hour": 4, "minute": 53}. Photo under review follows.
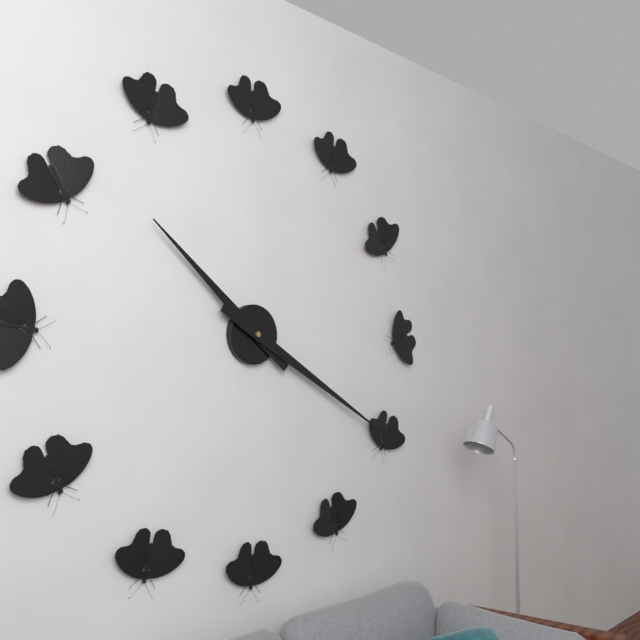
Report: {"hour": 10, "minute": 20}
